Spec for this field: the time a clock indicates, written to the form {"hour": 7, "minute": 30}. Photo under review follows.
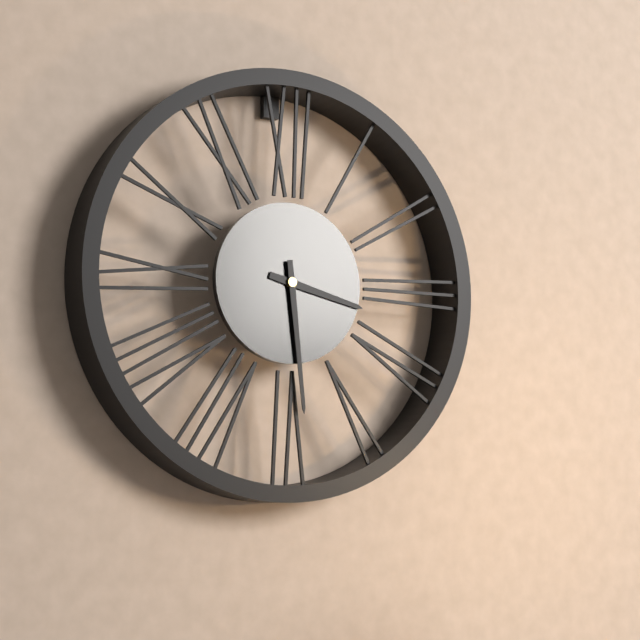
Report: {"hour": 3, "minute": 29}
